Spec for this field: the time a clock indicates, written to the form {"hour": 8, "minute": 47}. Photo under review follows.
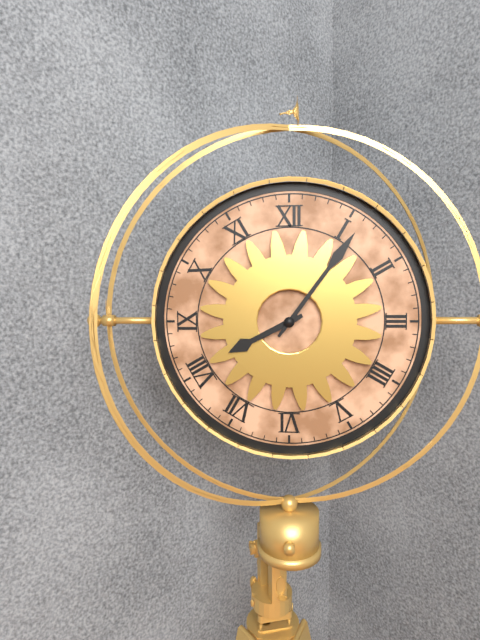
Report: {"hour": 8, "minute": 6}
